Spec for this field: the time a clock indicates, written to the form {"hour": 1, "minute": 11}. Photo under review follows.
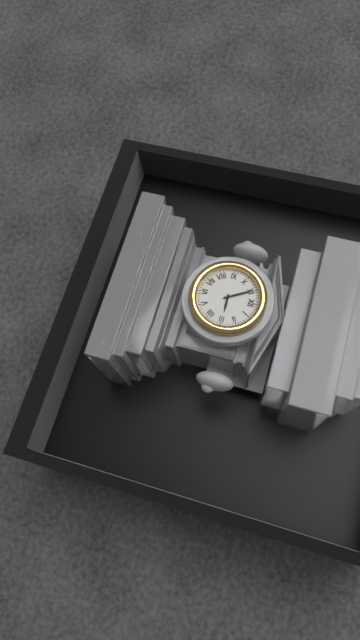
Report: {"hour": 2, "minute": 55}
